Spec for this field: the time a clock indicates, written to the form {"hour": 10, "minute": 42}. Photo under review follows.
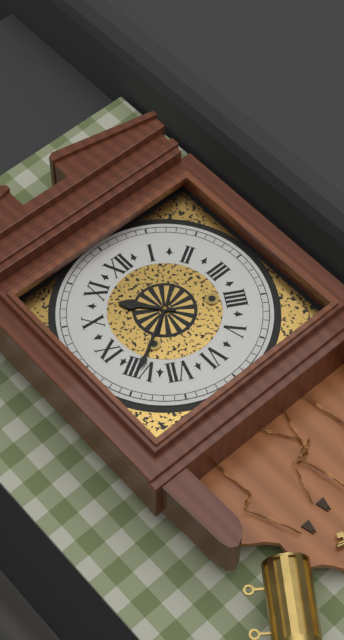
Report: {"hour": 10, "minute": 40}
